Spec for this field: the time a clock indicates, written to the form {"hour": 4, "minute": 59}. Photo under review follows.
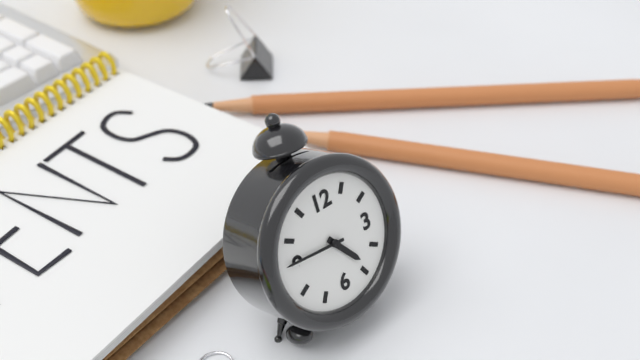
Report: {"hour": 4, "minute": 46}
